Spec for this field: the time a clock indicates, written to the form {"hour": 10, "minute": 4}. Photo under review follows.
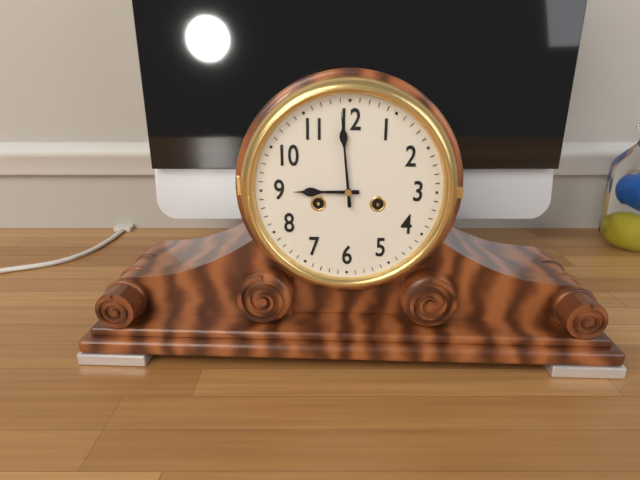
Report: {"hour": 8, "minute": 59}
